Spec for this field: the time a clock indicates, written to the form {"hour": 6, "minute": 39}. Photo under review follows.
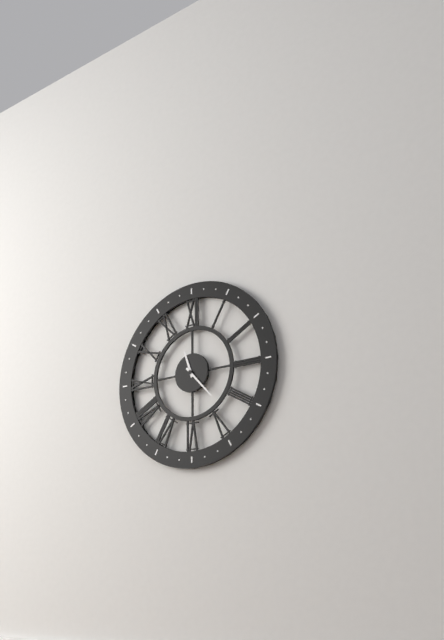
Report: {"hour": 11, "minute": 23}
